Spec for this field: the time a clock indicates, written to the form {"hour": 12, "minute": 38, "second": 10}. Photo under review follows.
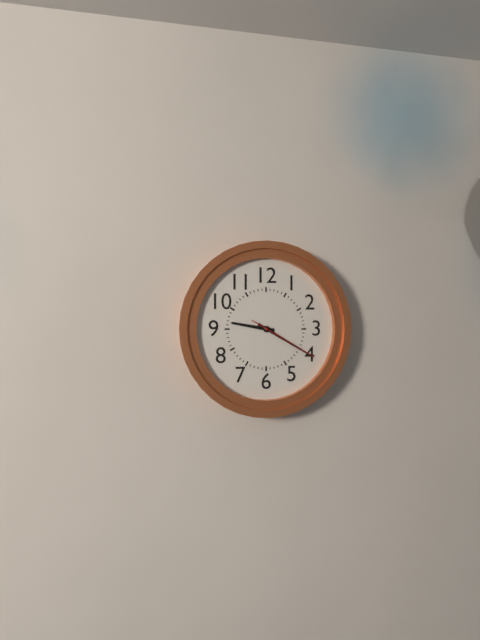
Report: {"hour": 9, "minute": 20, "second": 20}
